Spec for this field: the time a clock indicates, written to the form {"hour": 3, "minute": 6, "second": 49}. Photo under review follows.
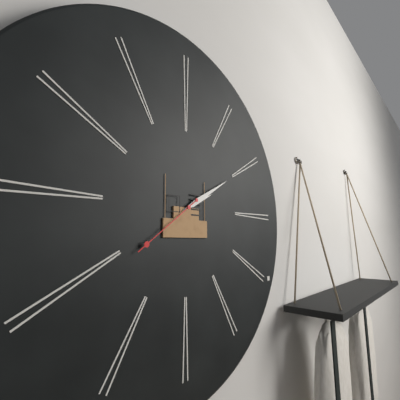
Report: {"hour": 2, "minute": 10, "second": 39}
